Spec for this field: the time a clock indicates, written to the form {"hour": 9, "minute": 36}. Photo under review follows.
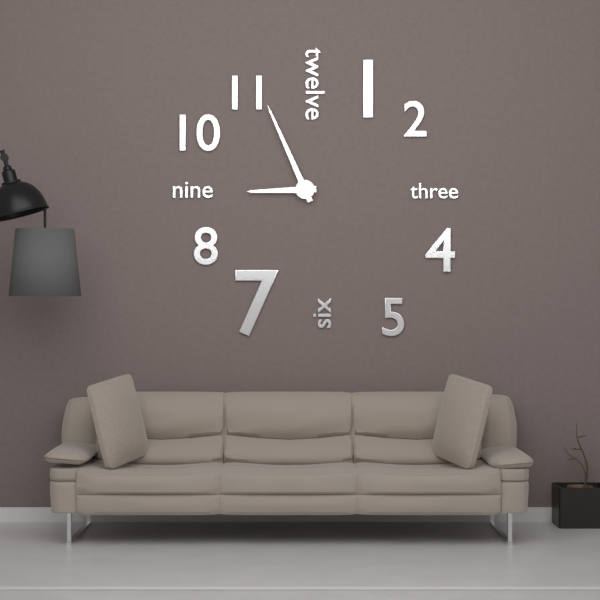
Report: {"hour": 8, "minute": 56}
